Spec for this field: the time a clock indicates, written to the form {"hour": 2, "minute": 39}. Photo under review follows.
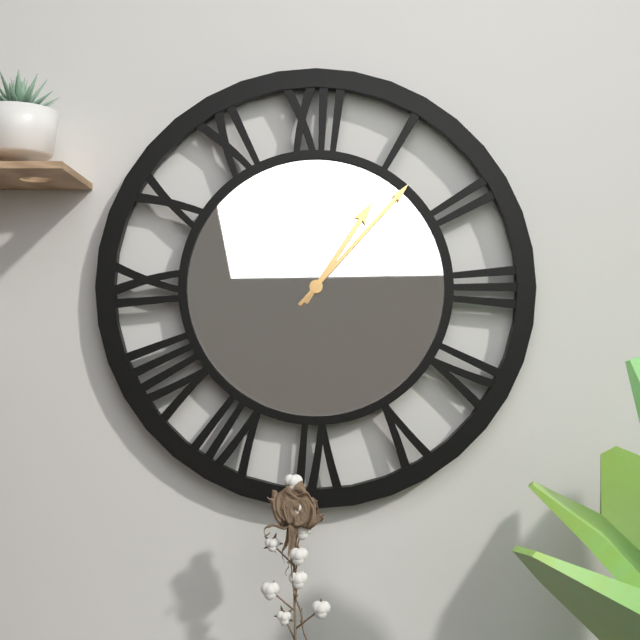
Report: {"hour": 1, "minute": 7}
